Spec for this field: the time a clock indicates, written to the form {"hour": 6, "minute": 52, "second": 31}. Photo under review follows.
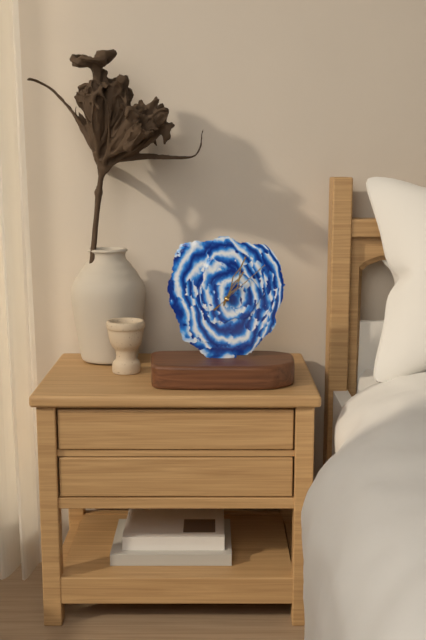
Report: {"hour": 1, "minute": 4, "second": 8}
